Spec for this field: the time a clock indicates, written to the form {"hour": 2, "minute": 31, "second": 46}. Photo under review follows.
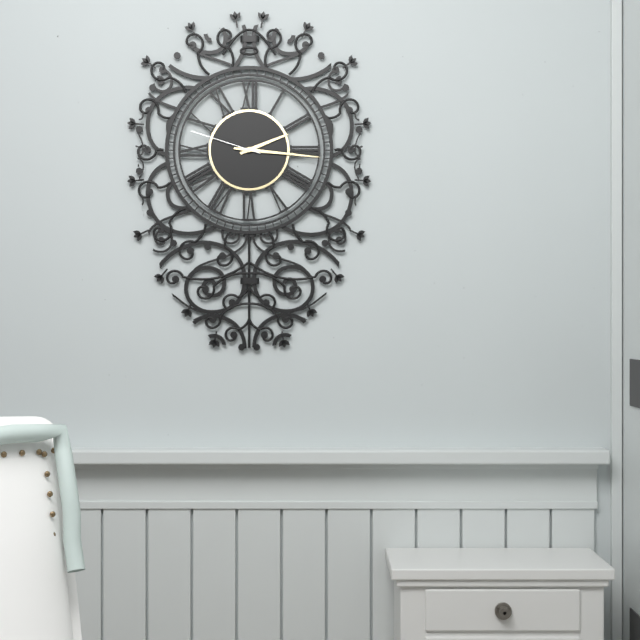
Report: {"hour": 2, "minute": 16, "second": 48}
